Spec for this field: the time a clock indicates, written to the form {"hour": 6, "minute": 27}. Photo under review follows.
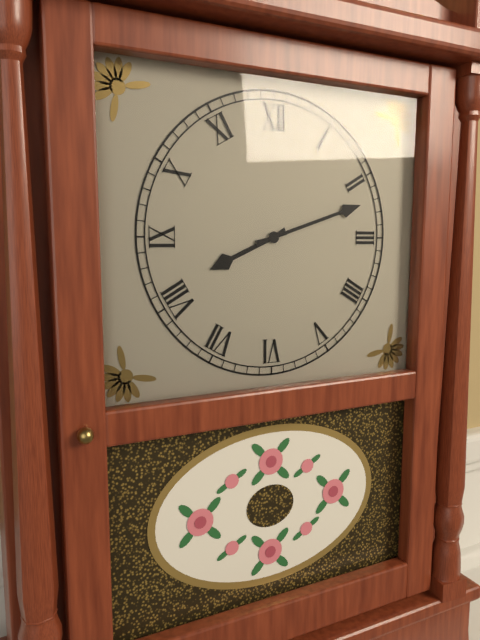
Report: {"hour": 8, "minute": 12}
